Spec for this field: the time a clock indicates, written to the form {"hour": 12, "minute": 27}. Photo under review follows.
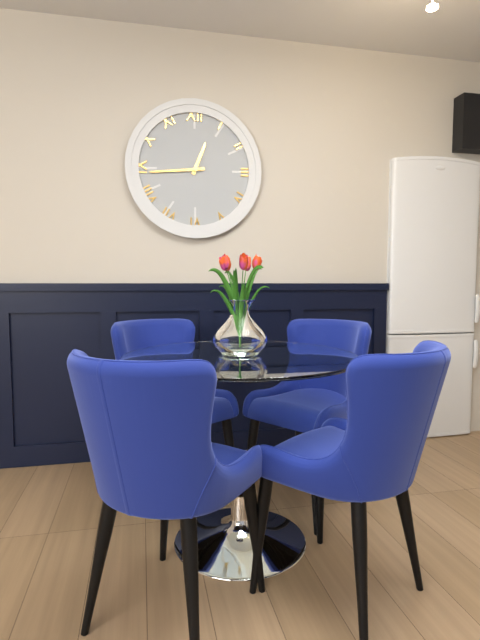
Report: {"hour": 12, "minute": 44}
